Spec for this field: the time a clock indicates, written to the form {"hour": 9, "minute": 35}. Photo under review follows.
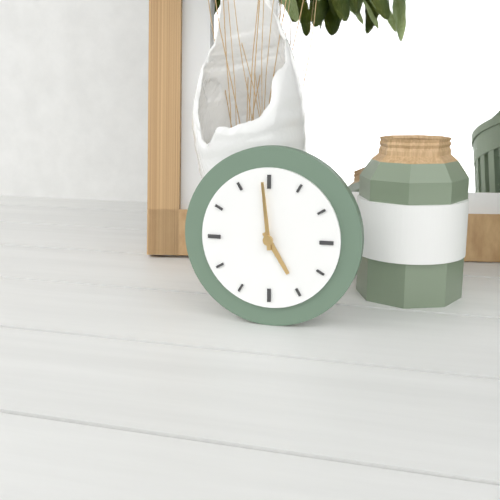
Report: {"hour": 4, "minute": 59}
